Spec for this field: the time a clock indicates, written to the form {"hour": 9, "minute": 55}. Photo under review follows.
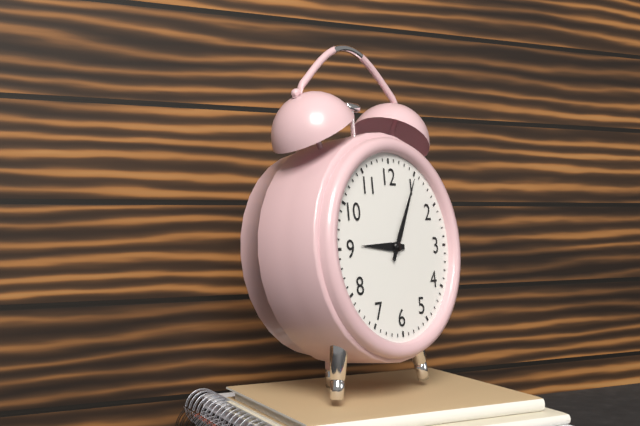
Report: {"hour": 9, "minute": 5}
